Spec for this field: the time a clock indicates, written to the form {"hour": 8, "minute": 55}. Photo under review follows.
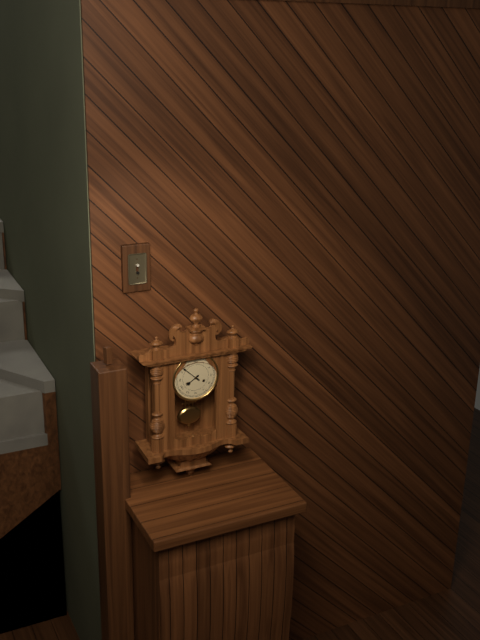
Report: {"hour": 7, "minute": 52}
